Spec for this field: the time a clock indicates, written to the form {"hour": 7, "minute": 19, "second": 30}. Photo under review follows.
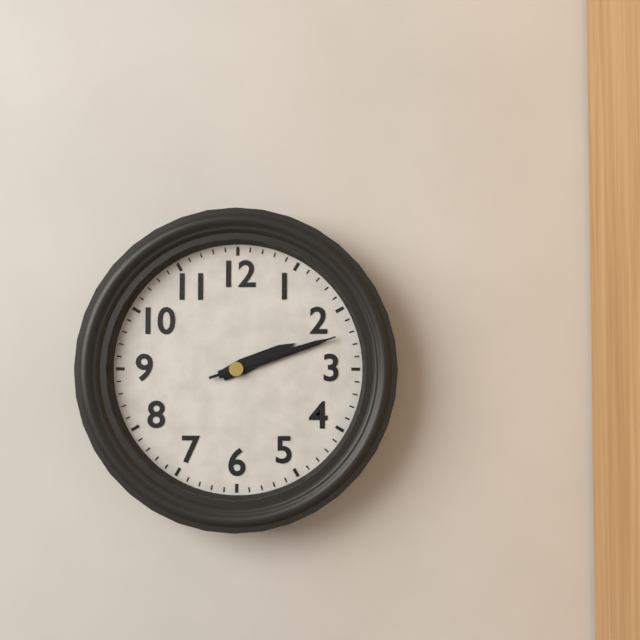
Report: {"hour": 2, "minute": 12, "second": 12}
